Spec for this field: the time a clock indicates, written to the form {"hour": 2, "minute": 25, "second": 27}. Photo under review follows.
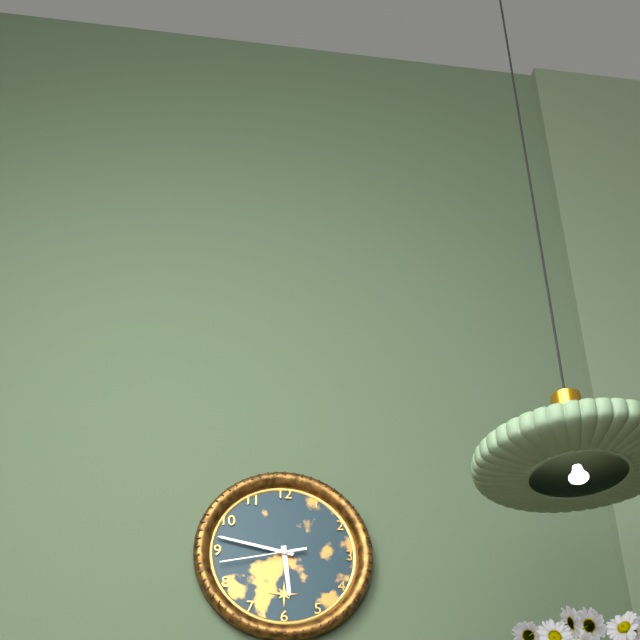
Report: {"hour": 5, "minute": 47, "second": 43}
